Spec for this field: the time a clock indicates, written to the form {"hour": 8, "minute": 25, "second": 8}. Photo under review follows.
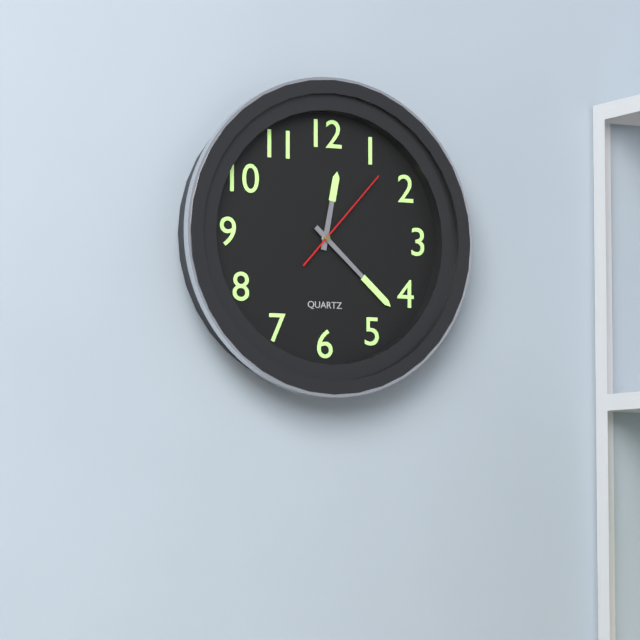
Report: {"hour": 12, "minute": 22, "second": 7}
